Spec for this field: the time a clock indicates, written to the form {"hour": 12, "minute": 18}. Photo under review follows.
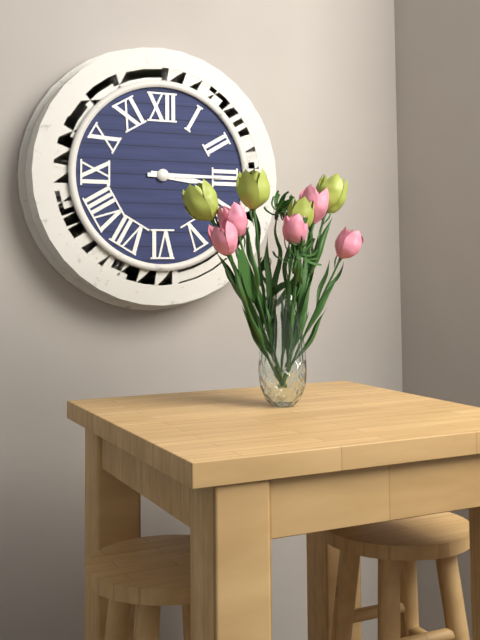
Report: {"hour": 3, "minute": 15}
